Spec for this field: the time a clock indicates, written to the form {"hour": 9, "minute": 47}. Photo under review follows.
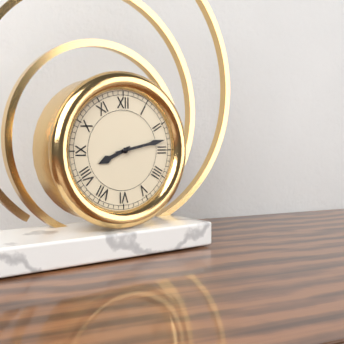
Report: {"hour": 8, "minute": 13}
